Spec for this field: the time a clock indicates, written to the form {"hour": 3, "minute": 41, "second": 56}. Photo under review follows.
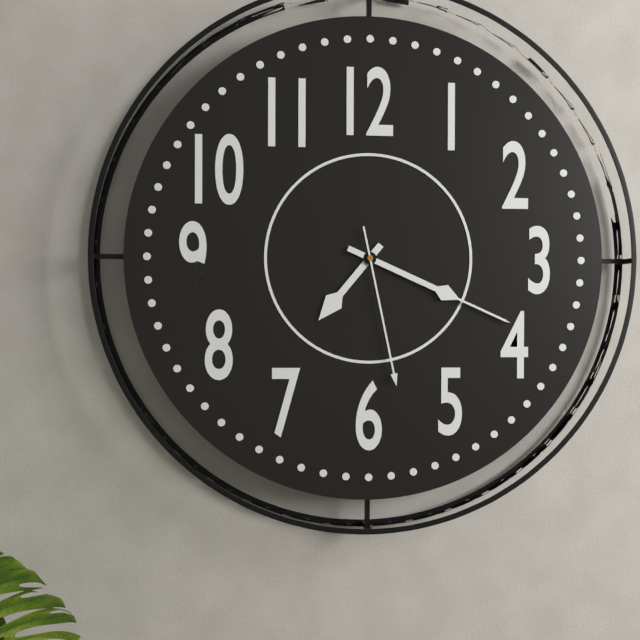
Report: {"hour": 7, "minute": 19, "second": 28}
